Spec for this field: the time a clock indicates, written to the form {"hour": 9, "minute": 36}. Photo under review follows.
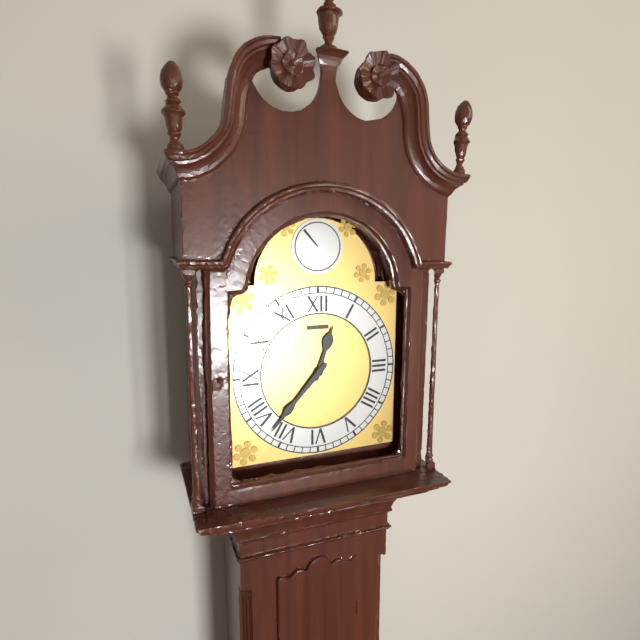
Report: {"hour": 12, "minute": 37}
